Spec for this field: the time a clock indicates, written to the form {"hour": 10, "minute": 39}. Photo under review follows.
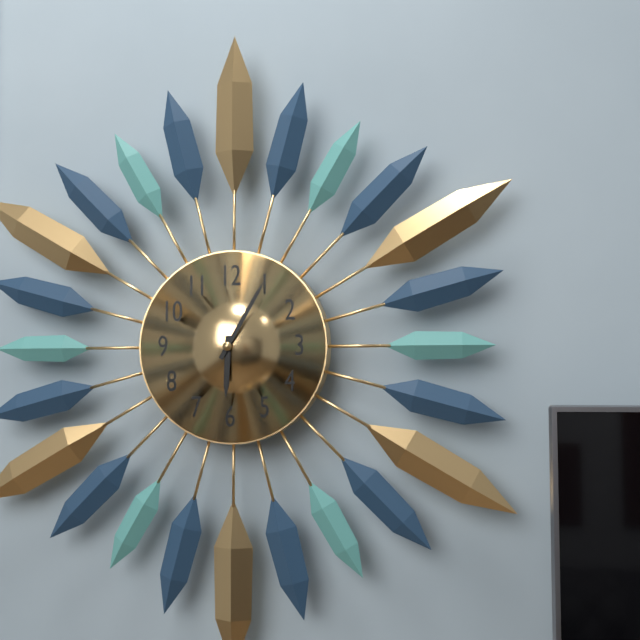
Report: {"hour": 6, "minute": 5}
